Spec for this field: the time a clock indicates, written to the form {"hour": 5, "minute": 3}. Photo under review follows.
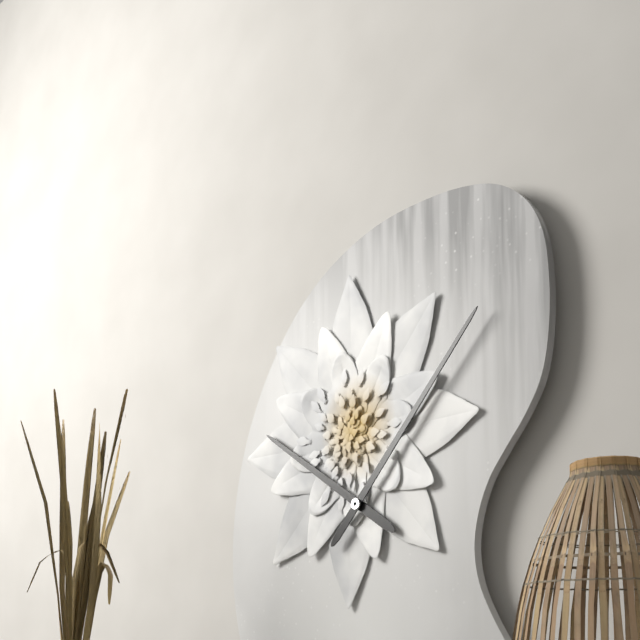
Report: {"hour": 10, "minute": 7}
